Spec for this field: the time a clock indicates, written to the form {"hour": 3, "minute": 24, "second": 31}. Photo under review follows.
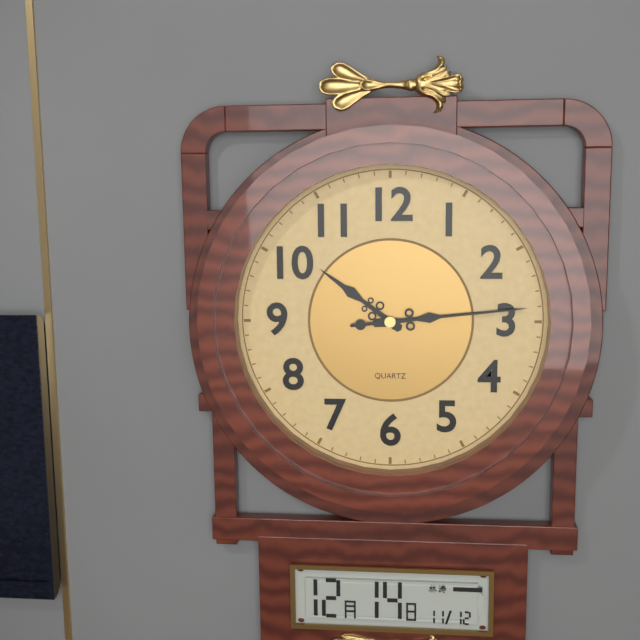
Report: {"hour": 10, "minute": 14, "second": 14}
